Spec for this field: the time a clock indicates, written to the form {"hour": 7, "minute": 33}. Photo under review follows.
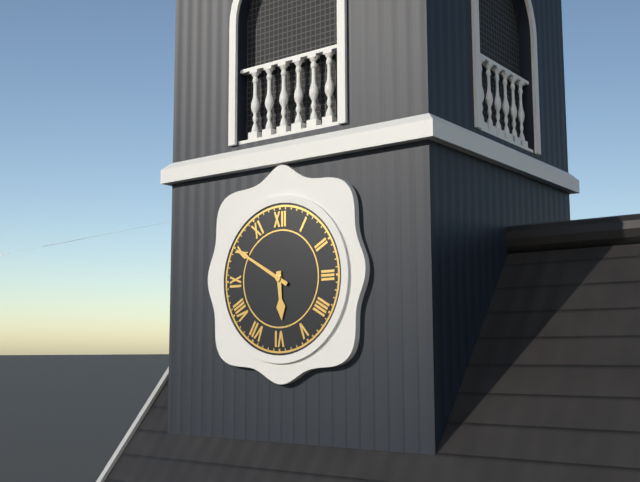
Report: {"hour": 5, "minute": 50}
